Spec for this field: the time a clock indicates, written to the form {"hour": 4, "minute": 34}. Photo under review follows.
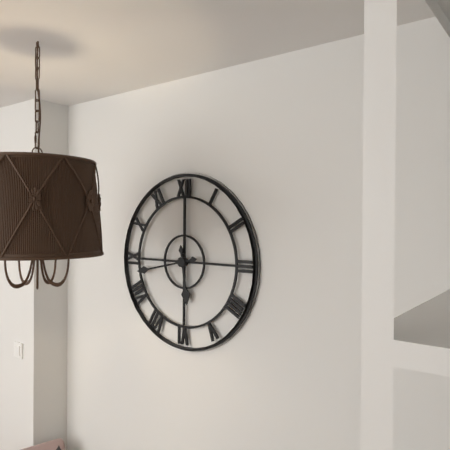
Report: {"hour": 5, "minute": 43}
